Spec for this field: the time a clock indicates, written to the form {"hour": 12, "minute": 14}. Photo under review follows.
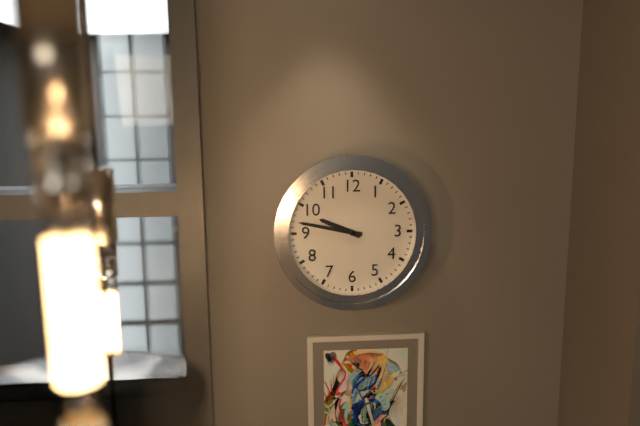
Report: {"hour": 9, "minute": 47}
